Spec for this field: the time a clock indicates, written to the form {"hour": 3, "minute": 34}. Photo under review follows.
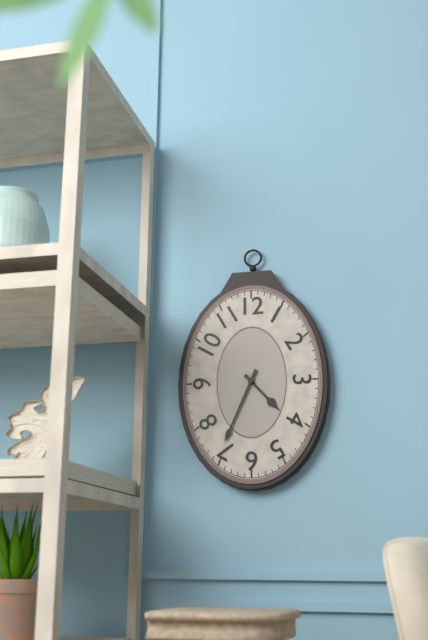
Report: {"hour": 4, "minute": 34}
